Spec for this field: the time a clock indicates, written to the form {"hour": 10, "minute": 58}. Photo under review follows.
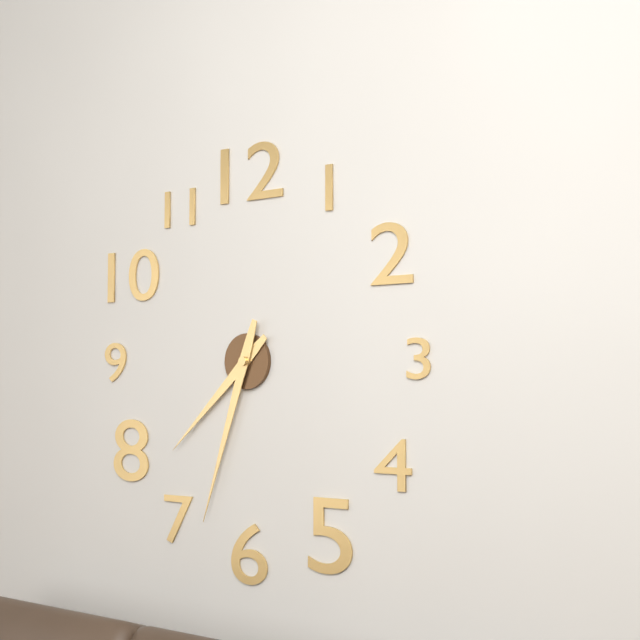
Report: {"hour": 7, "minute": 33}
